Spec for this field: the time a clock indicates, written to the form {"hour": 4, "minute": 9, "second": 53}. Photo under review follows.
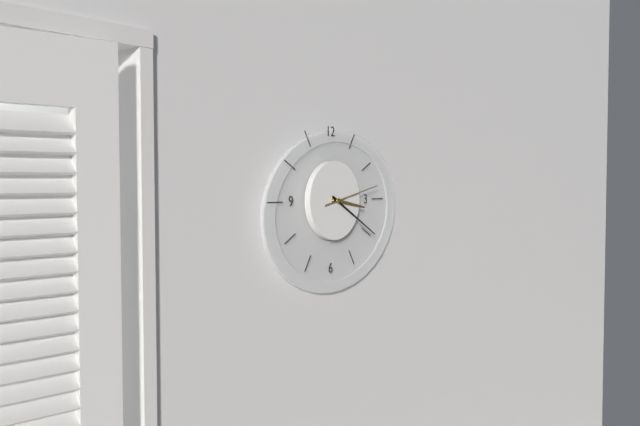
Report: {"hour": 3, "minute": 20, "second": 13}
